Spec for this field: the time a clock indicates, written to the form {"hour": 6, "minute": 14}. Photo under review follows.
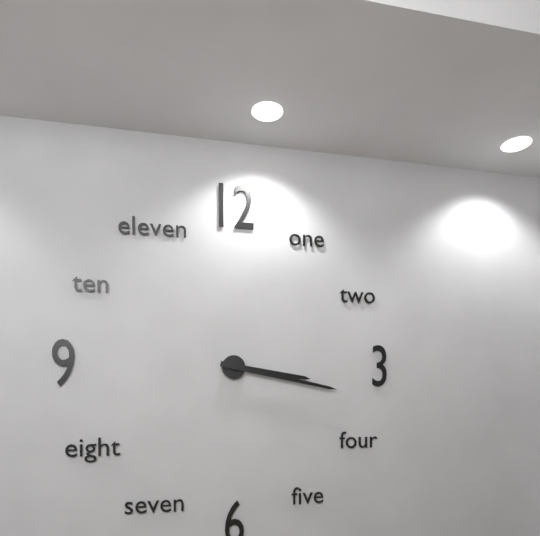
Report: {"hour": 3, "minute": 17}
